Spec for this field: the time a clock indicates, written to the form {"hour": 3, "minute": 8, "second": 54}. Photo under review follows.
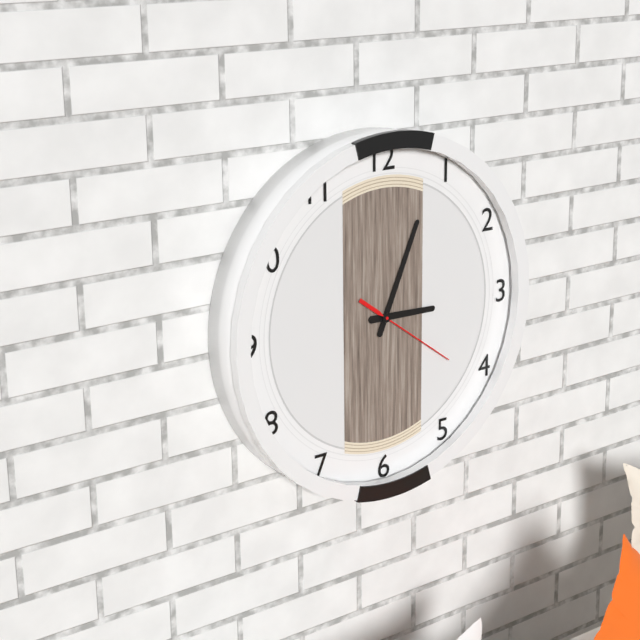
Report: {"hour": 3, "minute": 4, "second": 21}
